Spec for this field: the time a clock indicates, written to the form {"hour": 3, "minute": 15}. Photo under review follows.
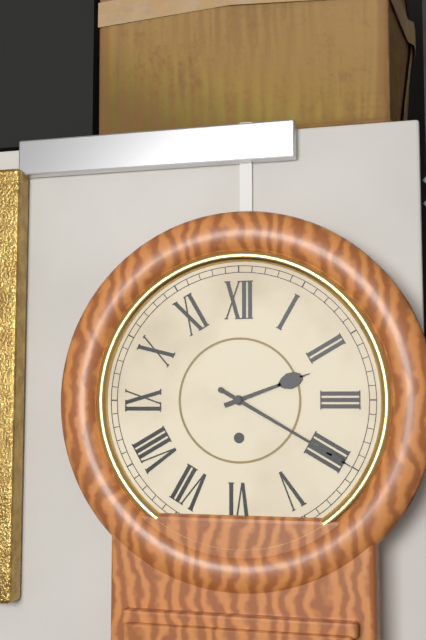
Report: {"hour": 2, "minute": 20}
